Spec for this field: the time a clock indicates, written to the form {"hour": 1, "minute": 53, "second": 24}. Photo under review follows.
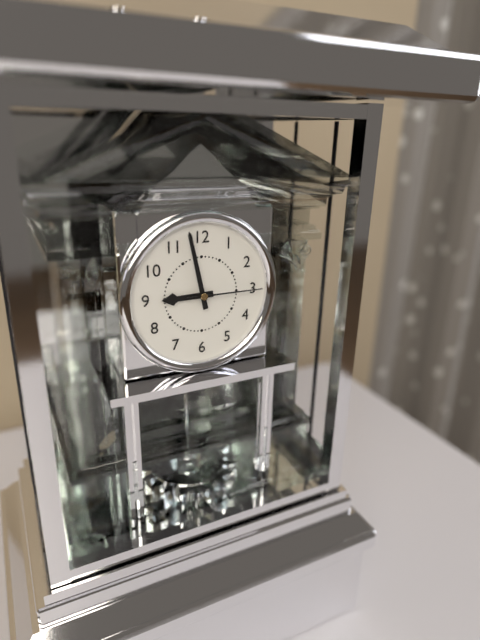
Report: {"hour": 8, "minute": 58, "second": 15}
